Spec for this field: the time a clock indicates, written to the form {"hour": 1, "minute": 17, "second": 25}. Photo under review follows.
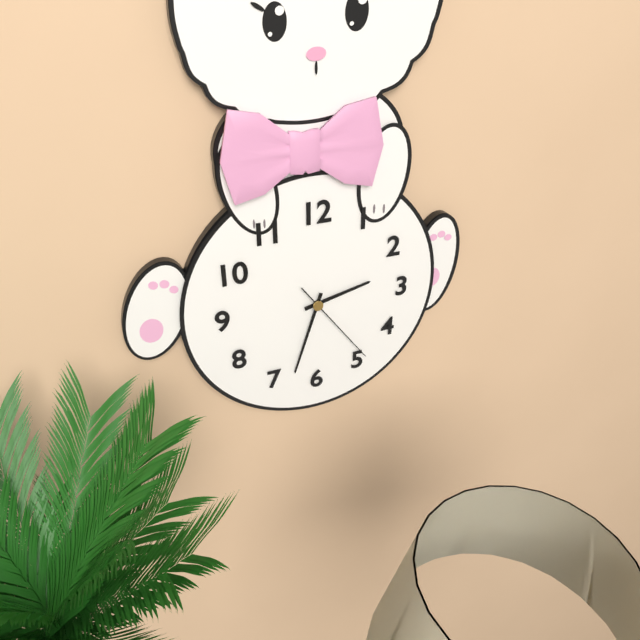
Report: {"hour": 2, "minute": 33, "second": 24}
